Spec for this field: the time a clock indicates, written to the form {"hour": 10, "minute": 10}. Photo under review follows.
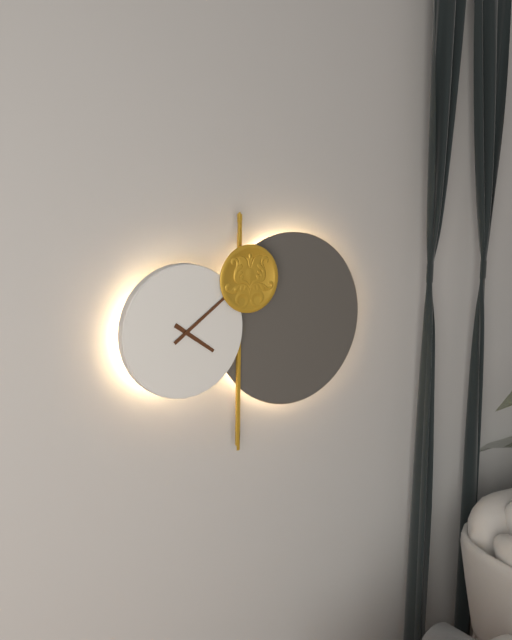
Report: {"hour": 4, "minute": 9}
